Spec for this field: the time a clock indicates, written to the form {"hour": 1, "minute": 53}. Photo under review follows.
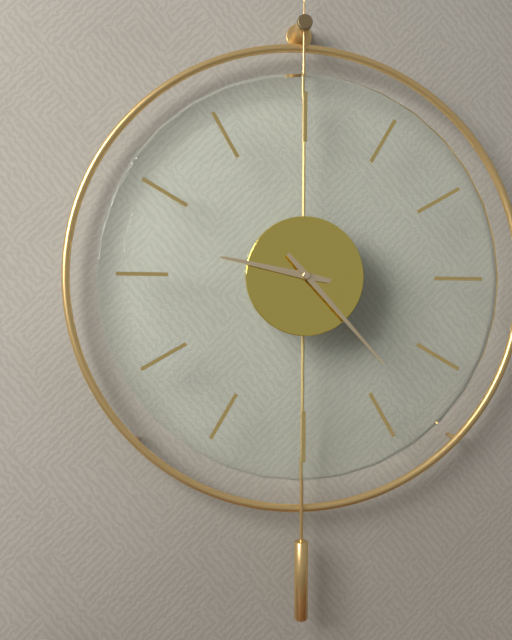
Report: {"hour": 9, "minute": 23}
